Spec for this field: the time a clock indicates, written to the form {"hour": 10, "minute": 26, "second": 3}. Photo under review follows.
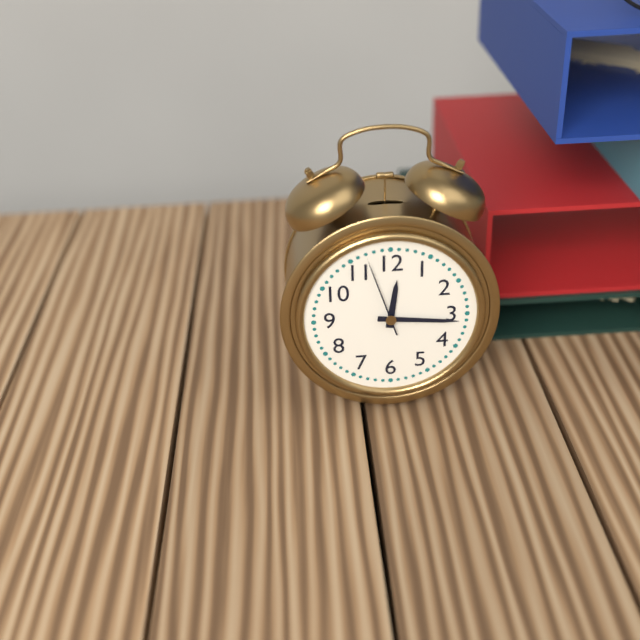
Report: {"hour": 12, "minute": 16, "second": 57}
